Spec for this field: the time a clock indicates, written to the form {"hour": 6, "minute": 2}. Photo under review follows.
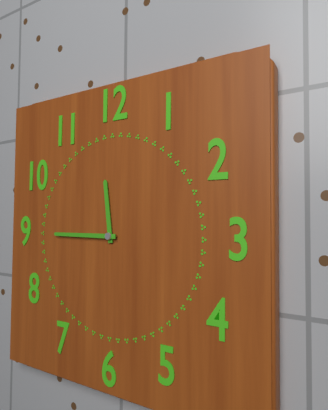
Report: {"hour": 11, "minute": 45}
